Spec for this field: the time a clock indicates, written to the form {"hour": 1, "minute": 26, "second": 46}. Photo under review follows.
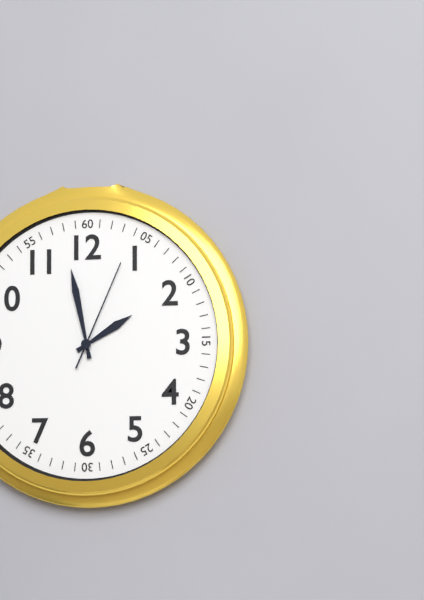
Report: {"hour": 1, "minute": 58, "second": 4}
